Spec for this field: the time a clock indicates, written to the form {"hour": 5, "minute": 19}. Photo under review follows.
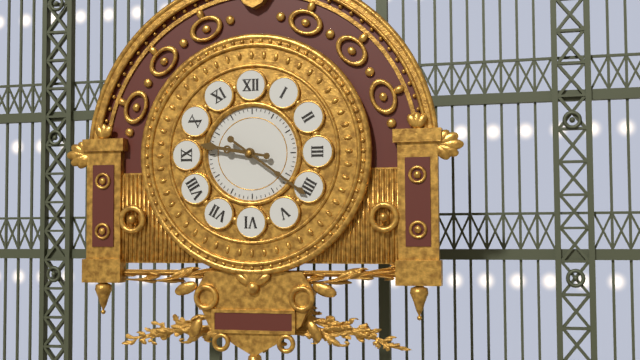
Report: {"hour": 9, "minute": 21}
